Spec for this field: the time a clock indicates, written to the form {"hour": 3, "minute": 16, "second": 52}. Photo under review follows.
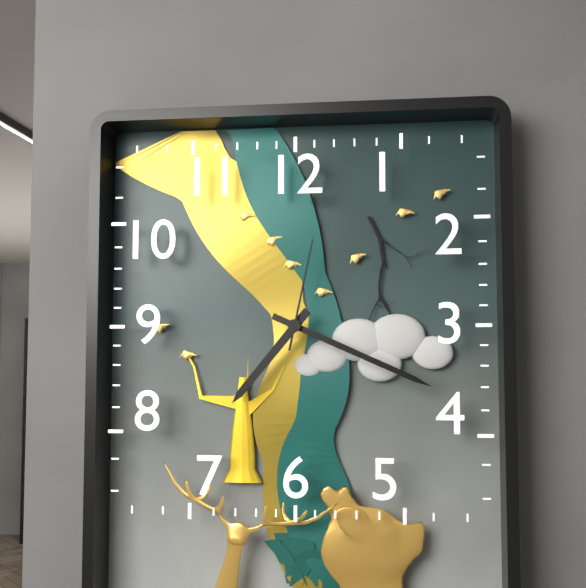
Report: {"hour": 7, "minute": 19, "second": 2}
